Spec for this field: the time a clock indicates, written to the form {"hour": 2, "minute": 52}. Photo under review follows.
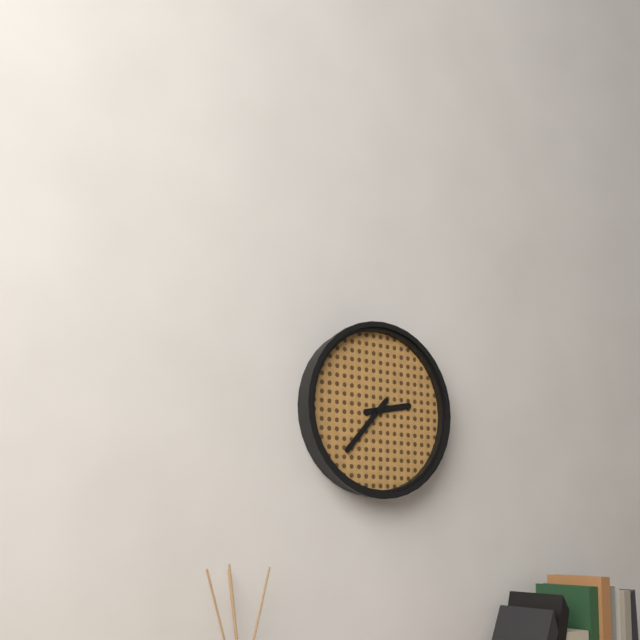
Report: {"hour": 2, "minute": 37}
